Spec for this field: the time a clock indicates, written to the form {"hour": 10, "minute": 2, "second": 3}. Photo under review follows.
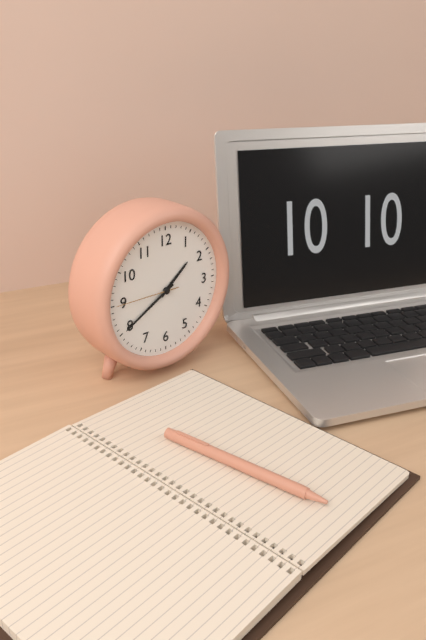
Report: {"hour": 1, "minute": 40, "second": 45}
